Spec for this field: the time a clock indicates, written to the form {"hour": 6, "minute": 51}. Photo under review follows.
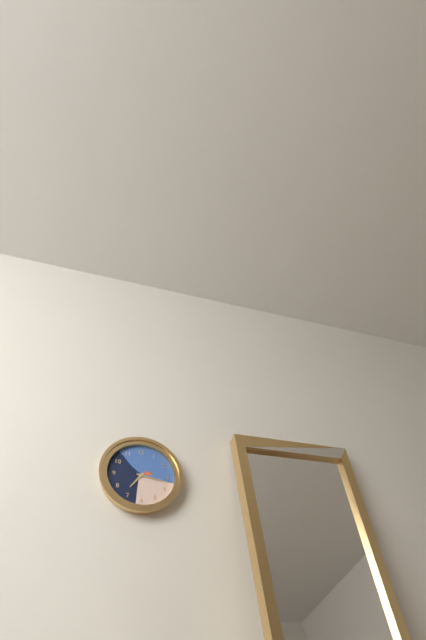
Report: {"hour": 7, "minute": 17}
